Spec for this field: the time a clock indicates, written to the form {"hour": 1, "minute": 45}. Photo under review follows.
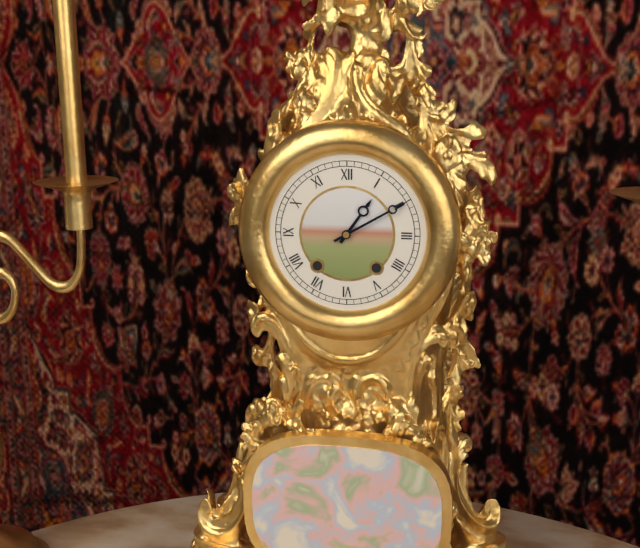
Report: {"hour": 1, "minute": 10}
